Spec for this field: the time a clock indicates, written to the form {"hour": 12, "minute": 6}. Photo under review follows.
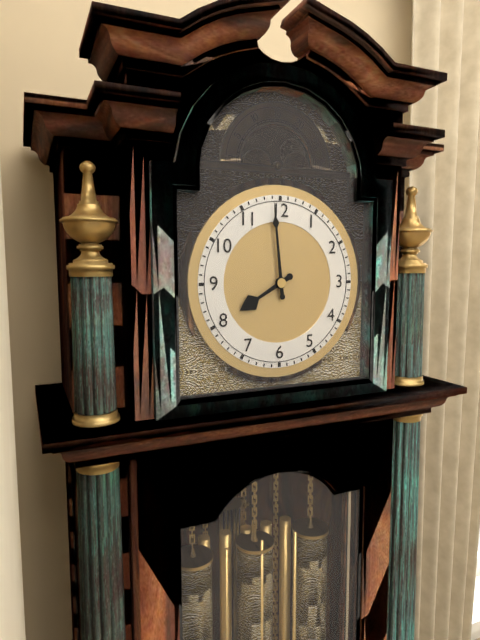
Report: {"hour": 7, "minute": 59}
